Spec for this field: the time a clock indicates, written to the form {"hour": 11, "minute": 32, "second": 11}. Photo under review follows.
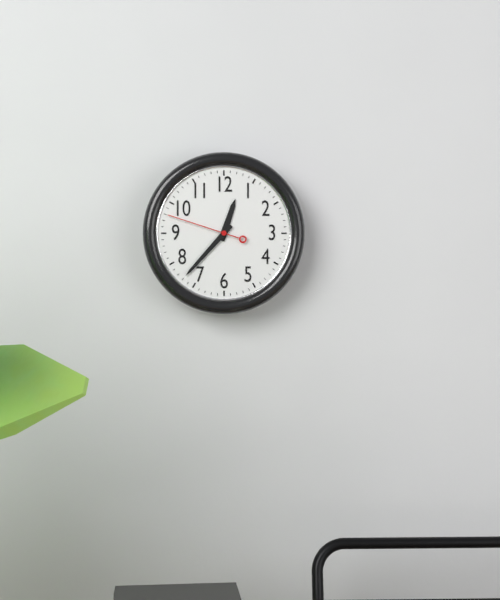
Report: {"hour": 12, "minute": 37, "second": 48}
